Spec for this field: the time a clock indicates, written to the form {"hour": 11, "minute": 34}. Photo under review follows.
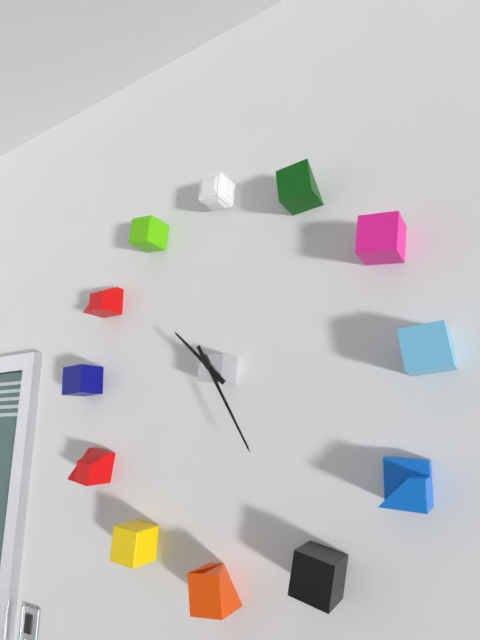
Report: {"hour": 10, "minute": 25}
